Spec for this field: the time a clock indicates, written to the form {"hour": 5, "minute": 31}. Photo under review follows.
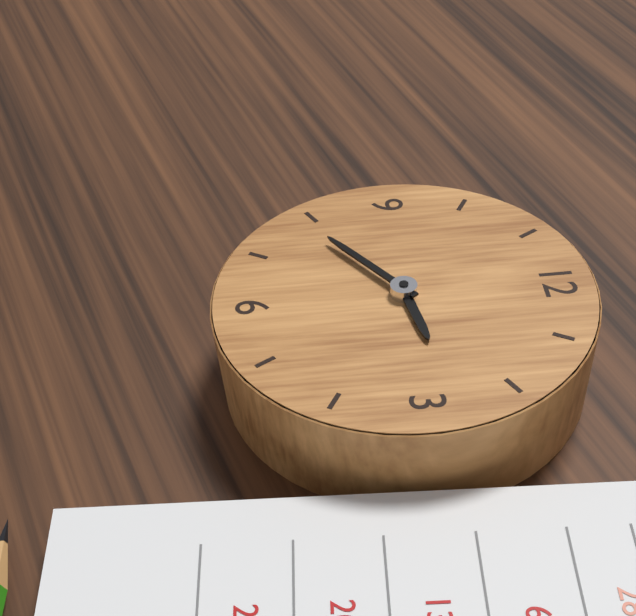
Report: {"hour": 2, "minute": 39}
